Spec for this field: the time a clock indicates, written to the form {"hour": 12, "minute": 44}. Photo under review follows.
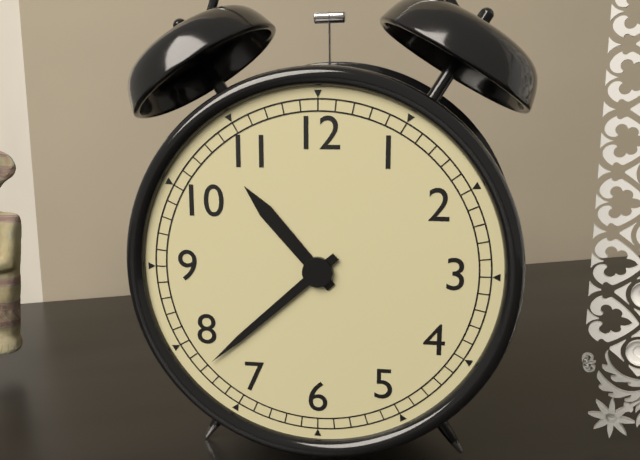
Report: {"hour": 10, "minute": 38}
